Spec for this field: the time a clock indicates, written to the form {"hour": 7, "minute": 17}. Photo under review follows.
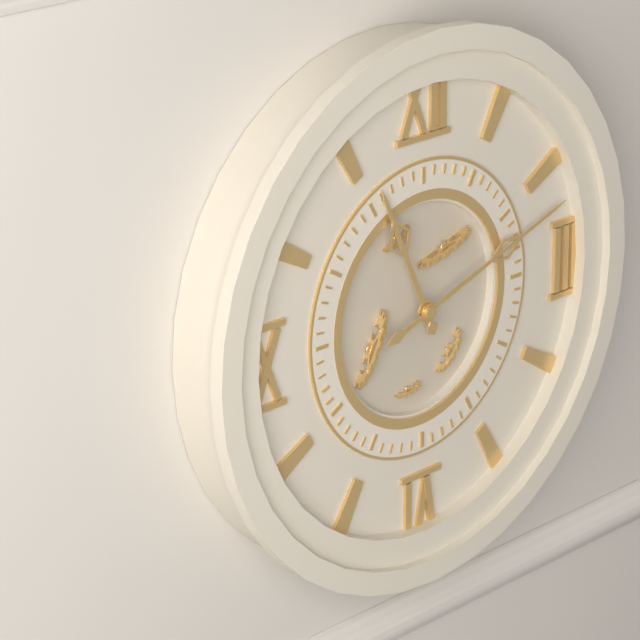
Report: {"hour": 11, "minute": 12}
